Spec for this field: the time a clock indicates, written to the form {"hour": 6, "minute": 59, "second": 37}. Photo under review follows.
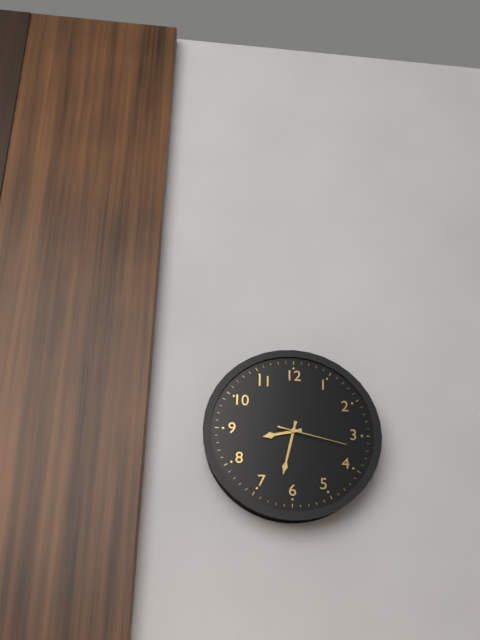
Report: {"hour": 8, "minute": 32, "second": 17}
